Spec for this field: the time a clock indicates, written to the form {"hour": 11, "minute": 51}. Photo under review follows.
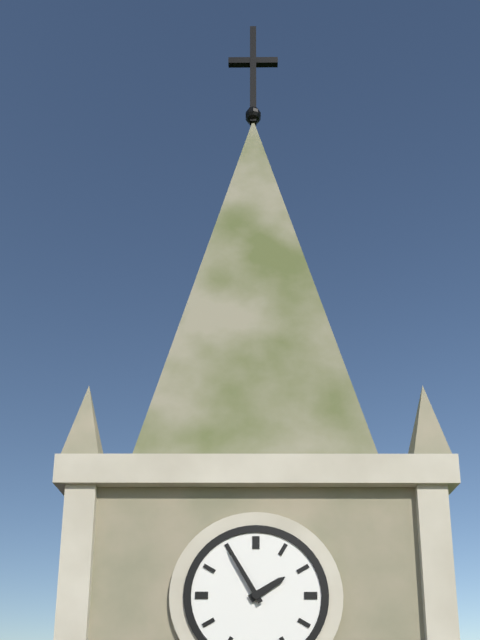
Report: {"hour": 1, "minute": 55}
